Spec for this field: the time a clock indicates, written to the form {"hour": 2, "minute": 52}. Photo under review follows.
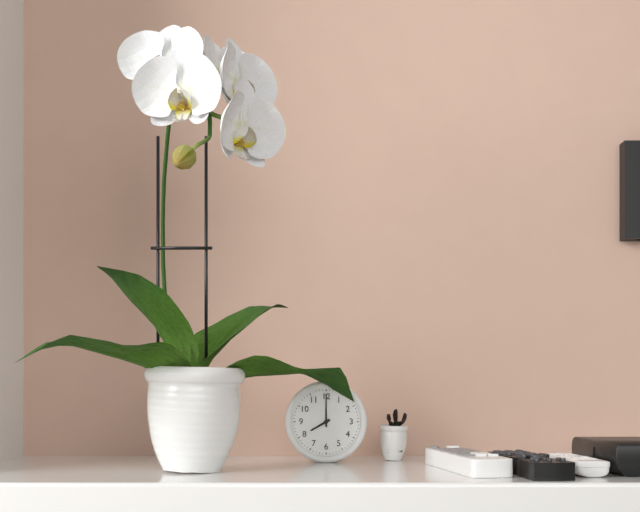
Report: {"hour": 8, "minute": 0}
